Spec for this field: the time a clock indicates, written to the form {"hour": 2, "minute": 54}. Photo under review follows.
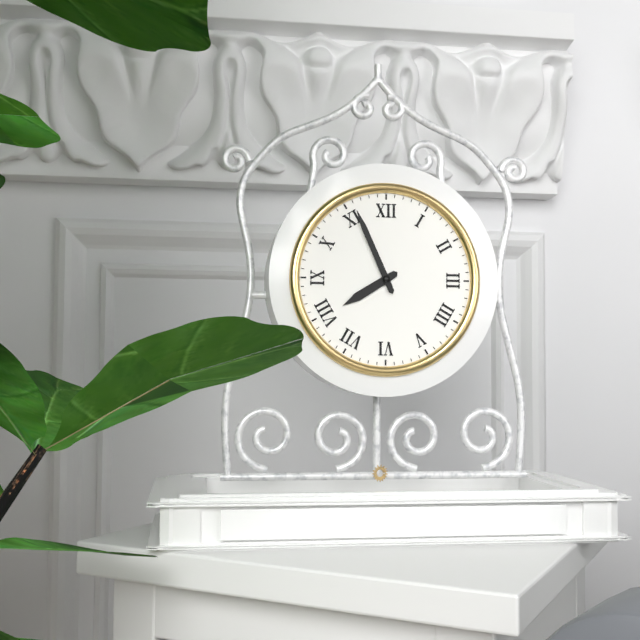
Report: {"hour": 7, "minute": 56}
